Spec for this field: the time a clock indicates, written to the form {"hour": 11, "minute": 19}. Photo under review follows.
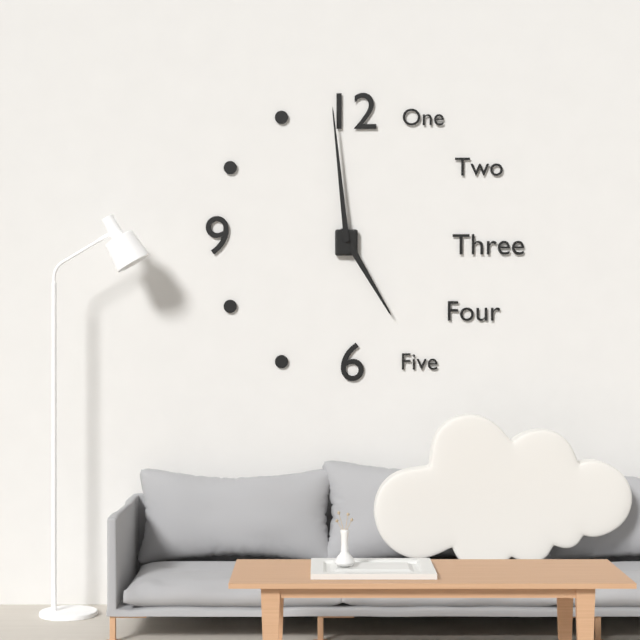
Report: {"hour": 4, "minute": 59}
